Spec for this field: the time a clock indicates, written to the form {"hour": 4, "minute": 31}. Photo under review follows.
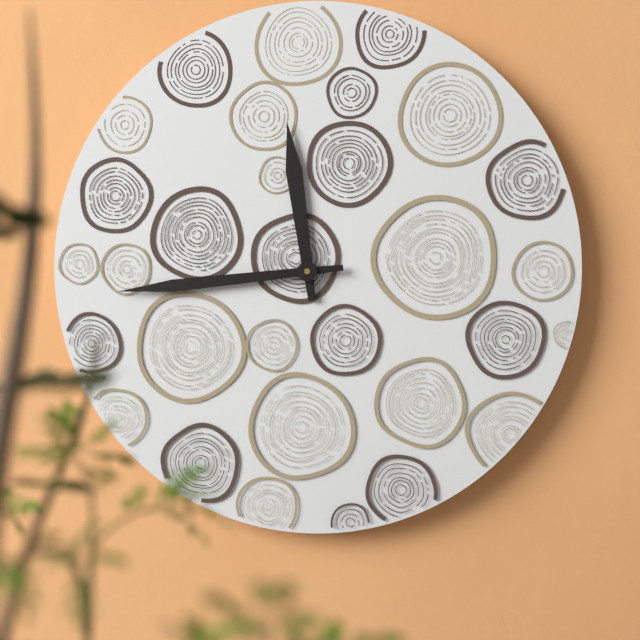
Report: {"hour": 11, "minute": 44}
